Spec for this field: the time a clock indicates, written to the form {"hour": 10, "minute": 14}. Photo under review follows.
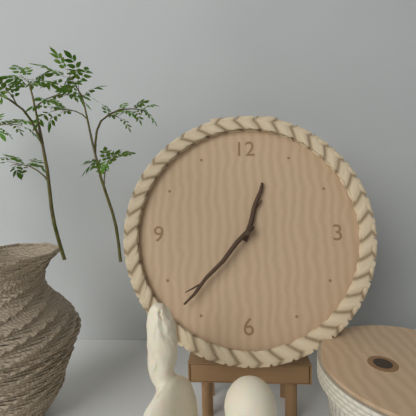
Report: {"hour": 12, "minute": 37}
